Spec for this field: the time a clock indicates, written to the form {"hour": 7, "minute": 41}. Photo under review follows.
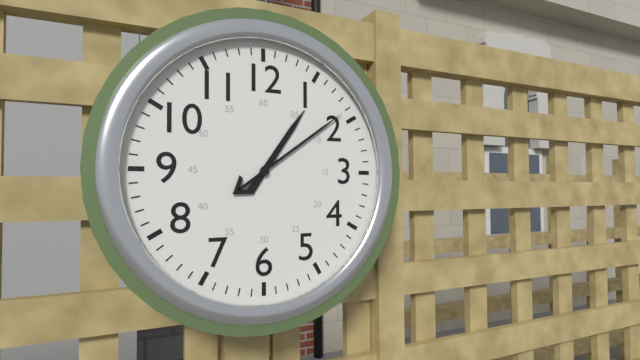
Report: {"hour": 1, "minute": 9}
